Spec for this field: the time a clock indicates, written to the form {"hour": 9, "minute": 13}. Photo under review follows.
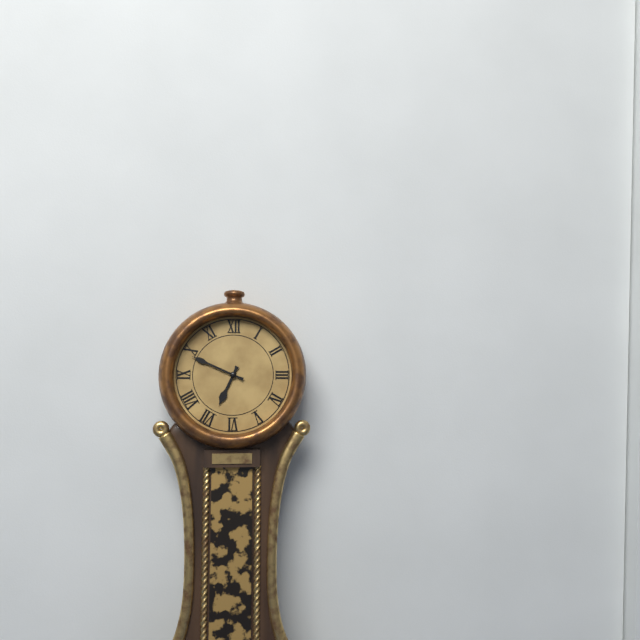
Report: {"hour": 6, "minute": 49}
